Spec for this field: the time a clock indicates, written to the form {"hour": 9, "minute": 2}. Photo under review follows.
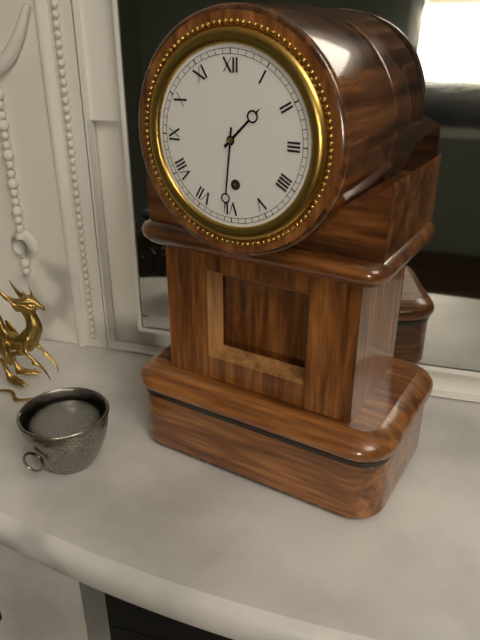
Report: {"hour": 1, "minute": 31}
